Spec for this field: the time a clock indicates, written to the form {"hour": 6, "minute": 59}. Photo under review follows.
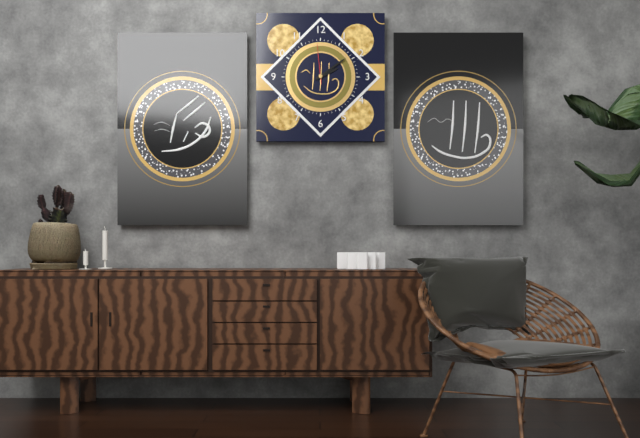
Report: {"hour": 2, "minute": 9}
